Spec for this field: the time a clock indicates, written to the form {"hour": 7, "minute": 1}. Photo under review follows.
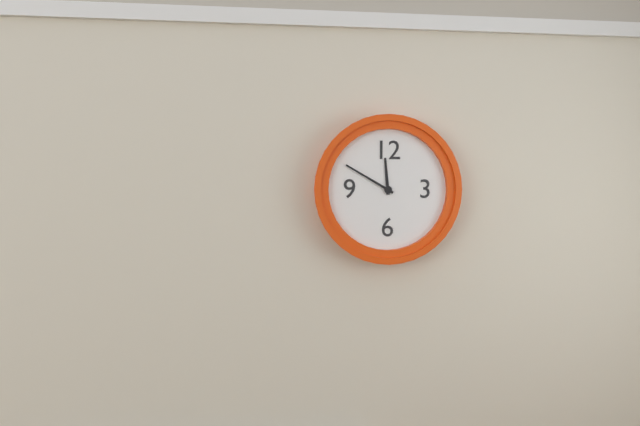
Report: {"hour": 11, "minute": 50}
